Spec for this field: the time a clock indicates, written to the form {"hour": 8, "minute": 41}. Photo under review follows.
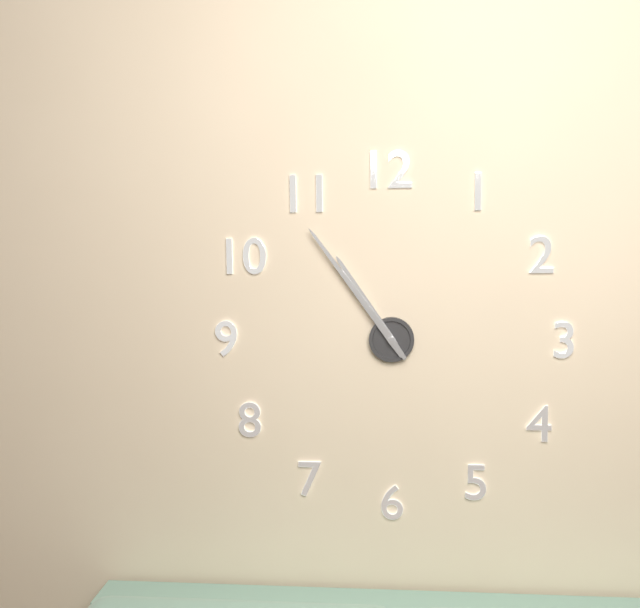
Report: {"hour": 10, "minute": 54}
